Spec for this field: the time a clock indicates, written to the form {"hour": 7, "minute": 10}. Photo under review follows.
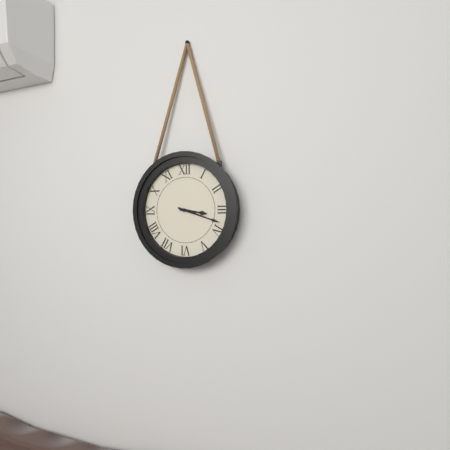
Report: {"hour": 3, "minute": 18}
